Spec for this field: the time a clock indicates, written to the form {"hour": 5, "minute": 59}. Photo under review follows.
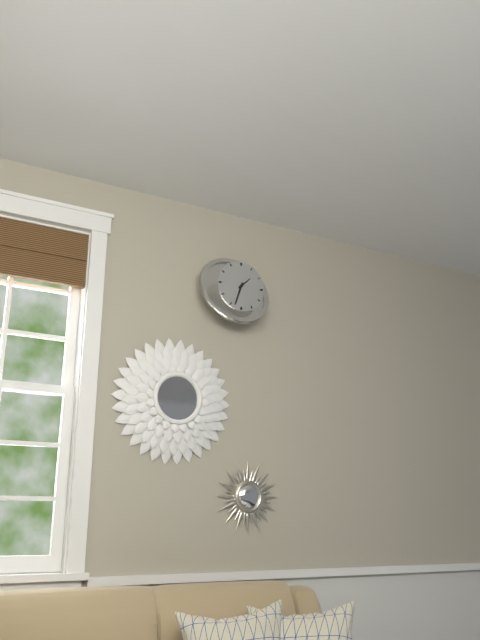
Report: {"hour": 1, "minute": 33}
